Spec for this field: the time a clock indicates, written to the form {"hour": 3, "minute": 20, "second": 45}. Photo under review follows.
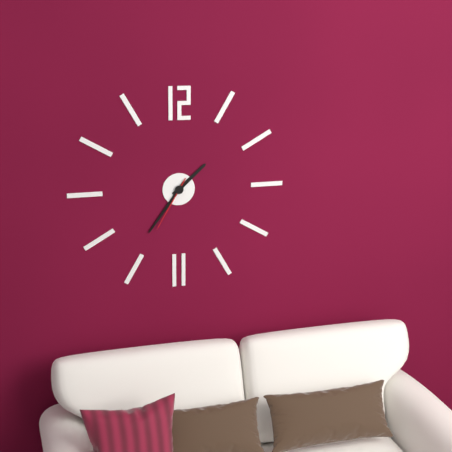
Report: {"hour": 1, "minute": 36, "second": 35}
